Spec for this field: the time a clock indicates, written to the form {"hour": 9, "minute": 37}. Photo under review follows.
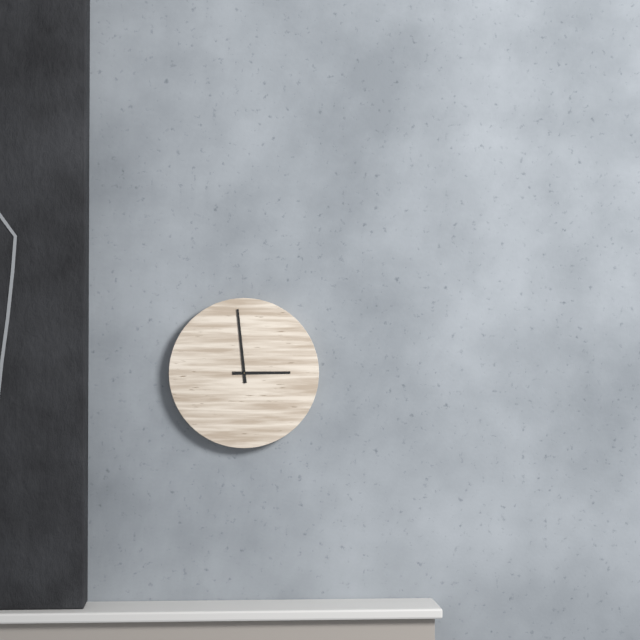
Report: {"hour": 2, "minute": 59}
